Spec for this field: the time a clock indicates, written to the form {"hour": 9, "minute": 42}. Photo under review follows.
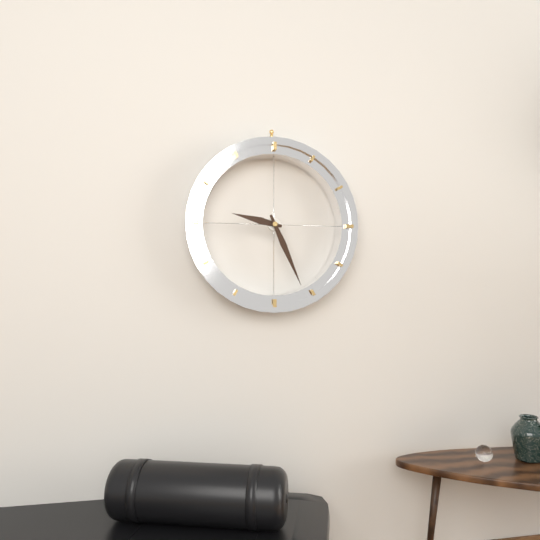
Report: {"hour": 9, "minute": 26}
